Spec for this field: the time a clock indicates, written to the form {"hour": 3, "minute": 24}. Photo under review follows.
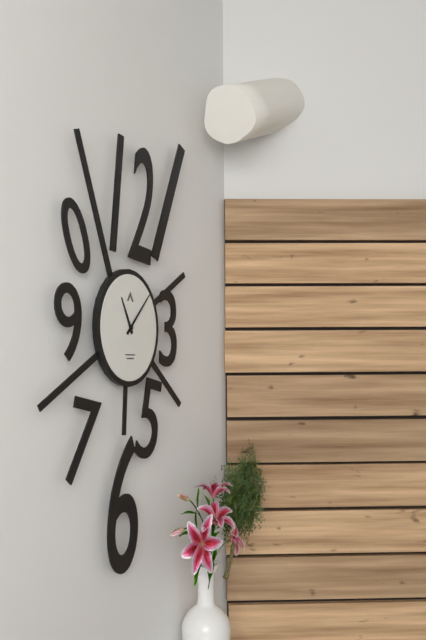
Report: {"hour": 11, "minute": 7}
